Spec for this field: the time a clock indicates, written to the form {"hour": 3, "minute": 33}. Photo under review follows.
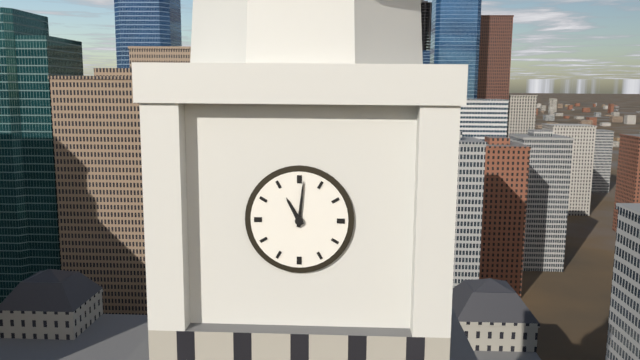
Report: {"hour": 11, "minute": 1}
